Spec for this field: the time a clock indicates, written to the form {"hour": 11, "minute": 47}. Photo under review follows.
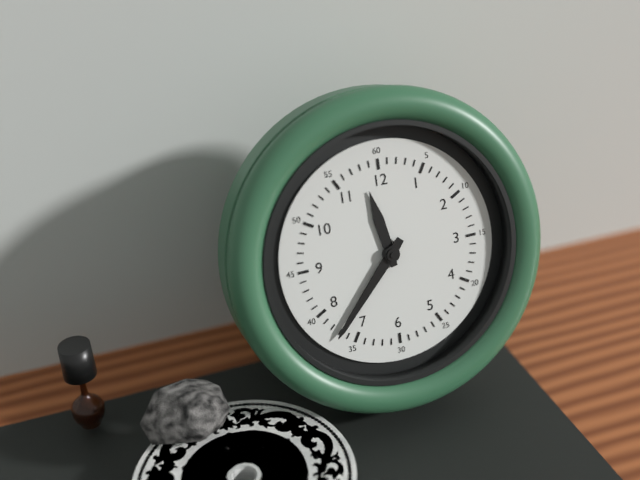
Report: {"hour": 11, "minute": 37}
